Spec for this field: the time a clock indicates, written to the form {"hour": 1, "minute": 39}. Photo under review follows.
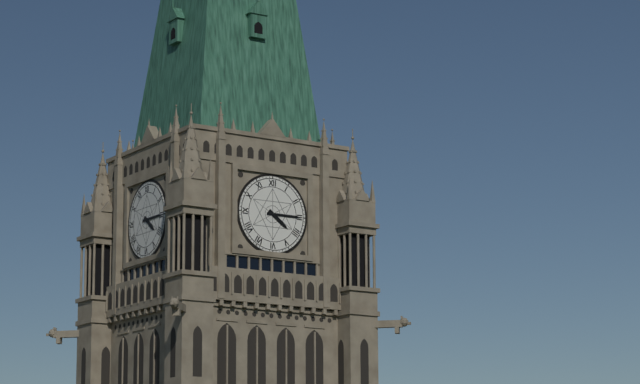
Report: {"hour": 4, "minute": 15}
